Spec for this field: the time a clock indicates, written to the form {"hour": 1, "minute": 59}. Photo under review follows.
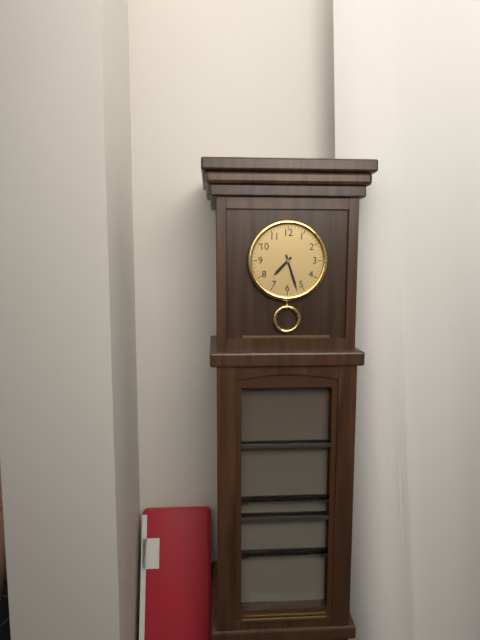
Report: {"hour": 7, "minute": 27}
